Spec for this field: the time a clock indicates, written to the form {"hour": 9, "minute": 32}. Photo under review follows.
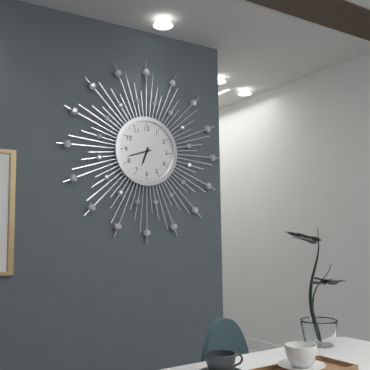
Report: {"hour": 6, "minute": 42}
